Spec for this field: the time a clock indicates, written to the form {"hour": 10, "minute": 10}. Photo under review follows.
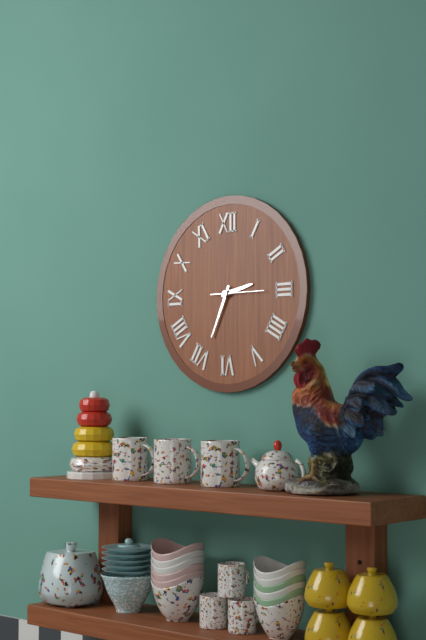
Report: {"hour": 2, "minute": 34}
